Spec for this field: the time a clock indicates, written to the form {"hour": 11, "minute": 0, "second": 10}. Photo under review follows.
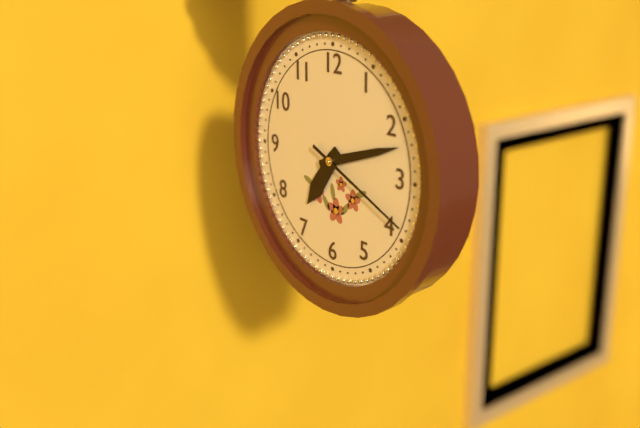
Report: {"hour": 7, "minute": 12, "second": 19}
